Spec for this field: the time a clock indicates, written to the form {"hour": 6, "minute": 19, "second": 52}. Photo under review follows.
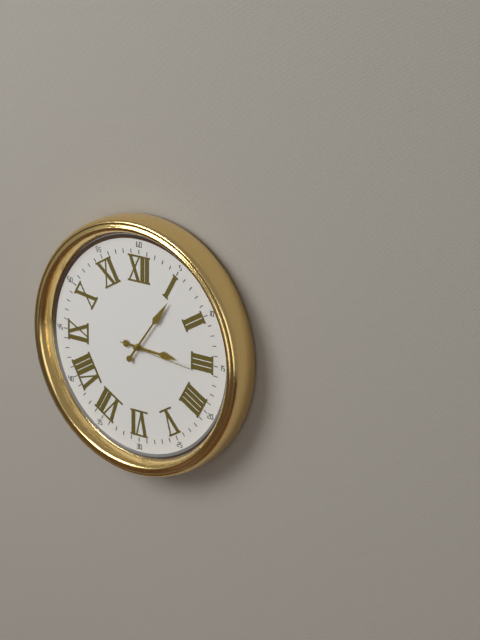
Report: {"hour": 3, "minute": 6, "second": 16}
